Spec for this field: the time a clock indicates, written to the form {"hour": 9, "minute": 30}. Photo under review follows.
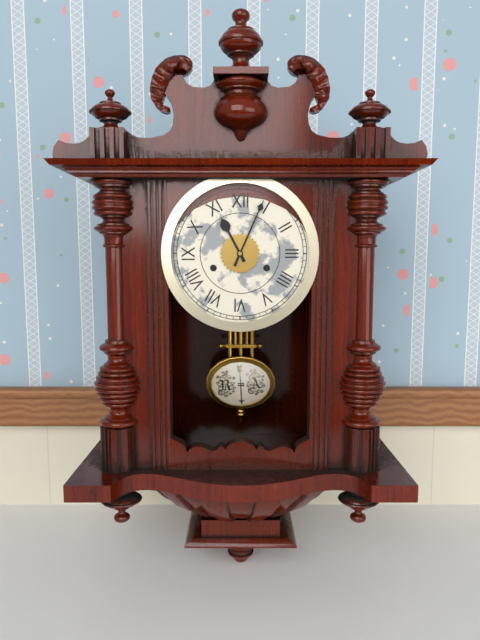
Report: {"hour": 11, "minute": 4}
